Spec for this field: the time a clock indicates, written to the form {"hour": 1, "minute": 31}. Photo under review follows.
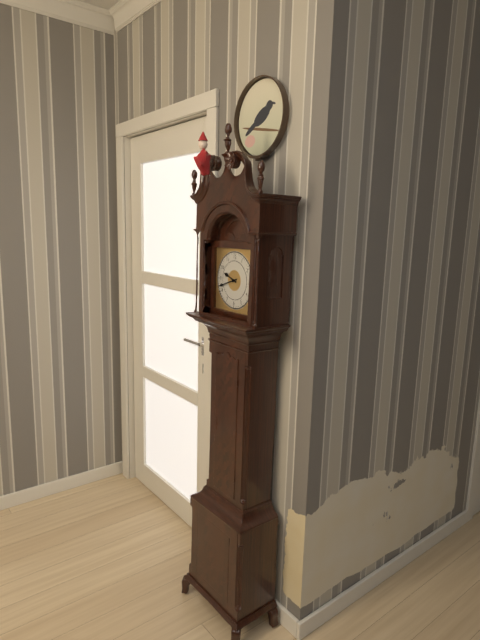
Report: {"hour": 9, "minute": 42}
